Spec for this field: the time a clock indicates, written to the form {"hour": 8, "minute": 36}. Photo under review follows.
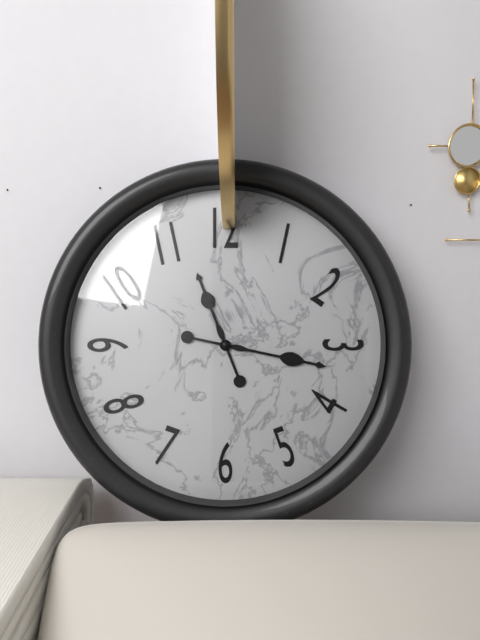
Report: {"hour": 11, "minute": 17}
